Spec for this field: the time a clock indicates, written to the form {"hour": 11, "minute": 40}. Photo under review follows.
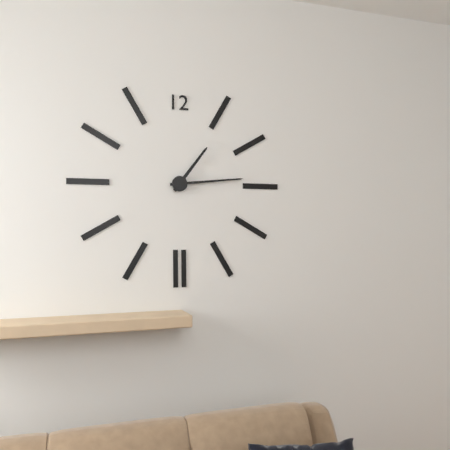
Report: {"hour": 1, "minute": 14}
